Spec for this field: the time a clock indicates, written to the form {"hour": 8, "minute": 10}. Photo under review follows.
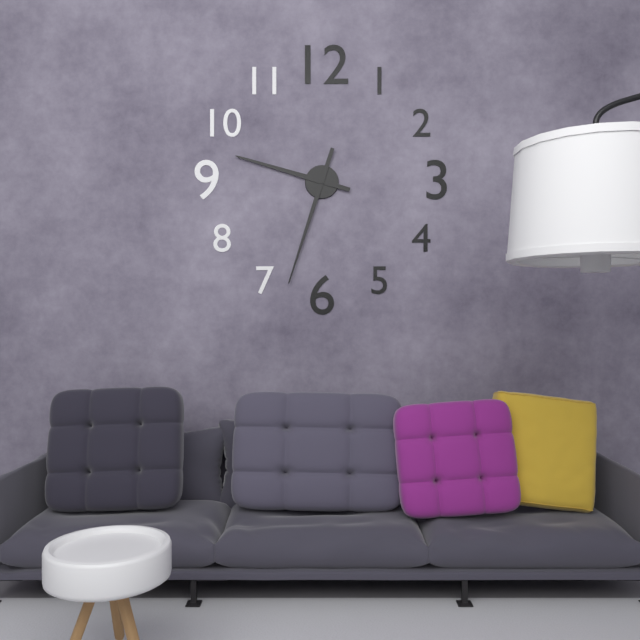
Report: {"hour": 9, "minute": 33}
